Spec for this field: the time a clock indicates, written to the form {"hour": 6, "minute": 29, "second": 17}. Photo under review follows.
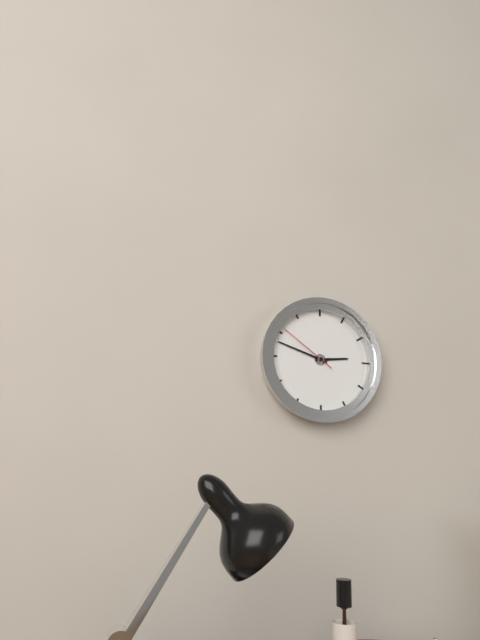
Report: {"hour": 2, "minute": 48, "second": 51}
